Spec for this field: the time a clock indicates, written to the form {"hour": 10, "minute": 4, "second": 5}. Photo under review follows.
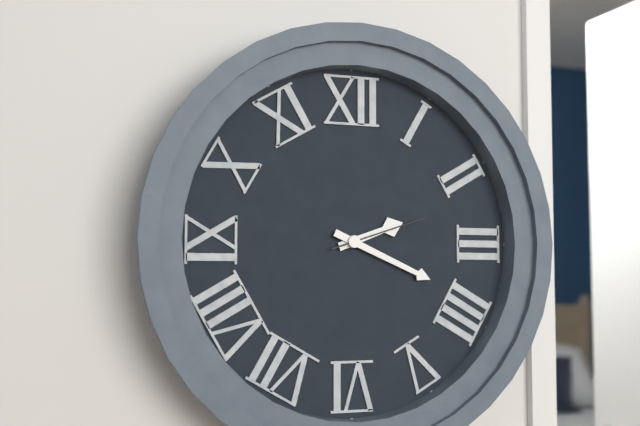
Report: {"hour": 2, "minute": 19, "second": 12}
